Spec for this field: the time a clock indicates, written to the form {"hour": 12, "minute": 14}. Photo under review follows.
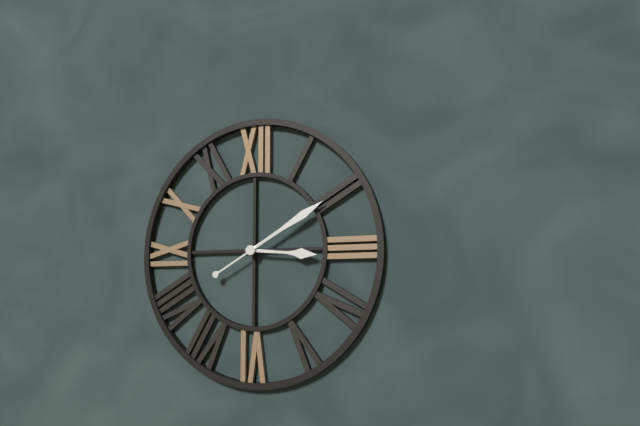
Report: {"hour": 3, "minute": 10}
